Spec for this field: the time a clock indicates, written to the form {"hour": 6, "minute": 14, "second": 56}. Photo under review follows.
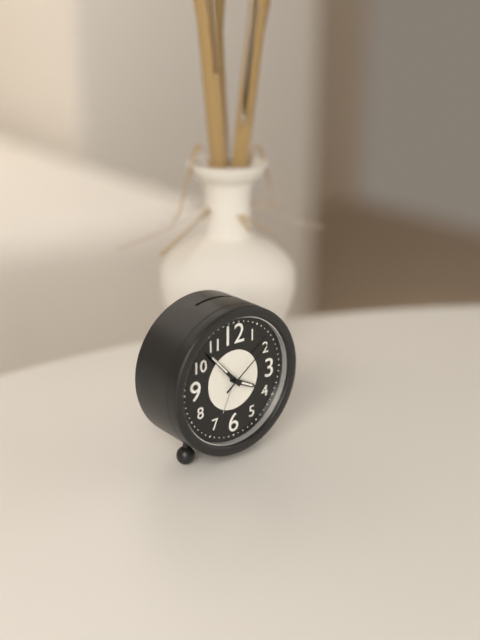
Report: {"hour": 3, "minute": 53, "second": 9}
